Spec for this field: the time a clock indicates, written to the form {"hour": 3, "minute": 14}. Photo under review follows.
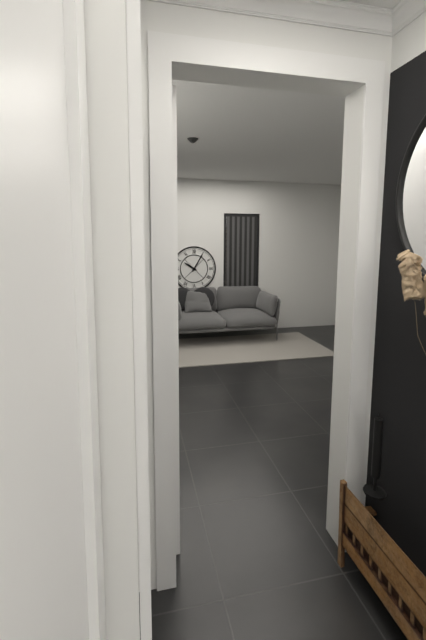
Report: {"hour": 10, "minute": 5}
